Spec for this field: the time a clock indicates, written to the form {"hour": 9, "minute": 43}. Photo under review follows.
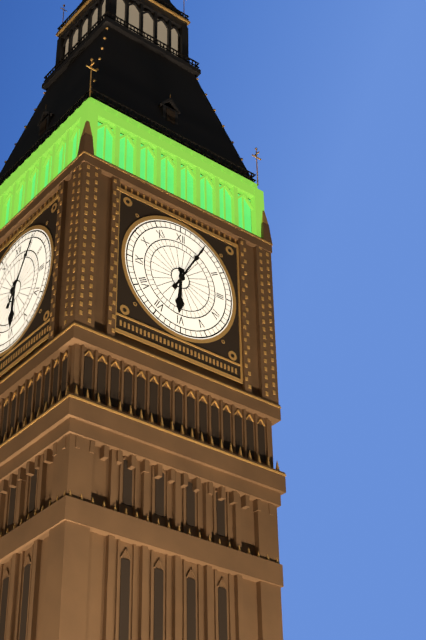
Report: {"hour": 6, "minute": 5}
